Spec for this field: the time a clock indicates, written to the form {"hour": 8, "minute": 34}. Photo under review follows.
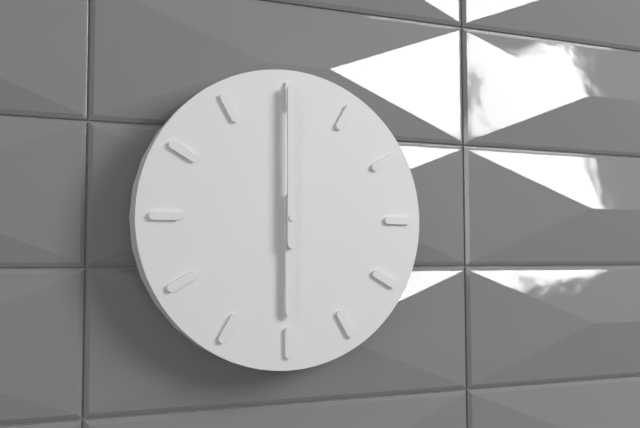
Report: {"hour": 6, "minute": 0}
